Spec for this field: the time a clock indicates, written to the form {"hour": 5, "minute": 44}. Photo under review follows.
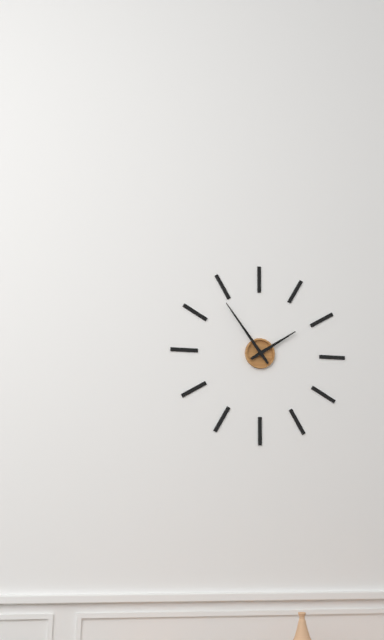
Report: {"hour": 1, "minute": 54}
